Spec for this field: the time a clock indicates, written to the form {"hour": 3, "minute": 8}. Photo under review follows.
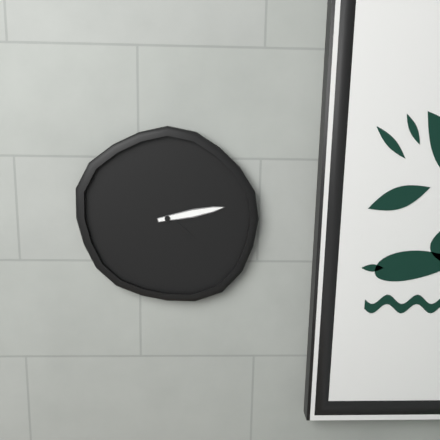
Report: {"hour": 4, "minute": 13}
